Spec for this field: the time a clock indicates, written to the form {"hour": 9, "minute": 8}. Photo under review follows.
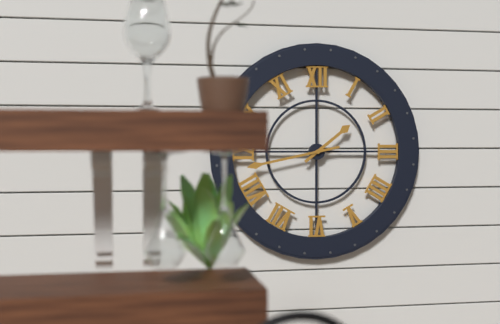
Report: {"hour": 1, "minute": 43}
